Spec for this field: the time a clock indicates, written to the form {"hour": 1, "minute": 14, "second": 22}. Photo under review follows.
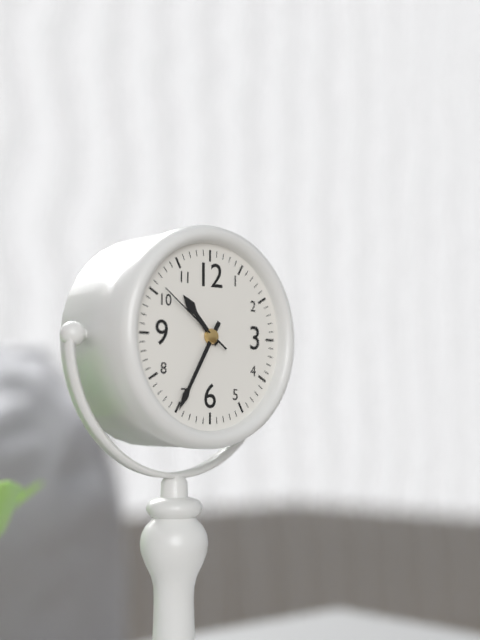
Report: {"hour": 10, "minute": 35, "second": 51}
